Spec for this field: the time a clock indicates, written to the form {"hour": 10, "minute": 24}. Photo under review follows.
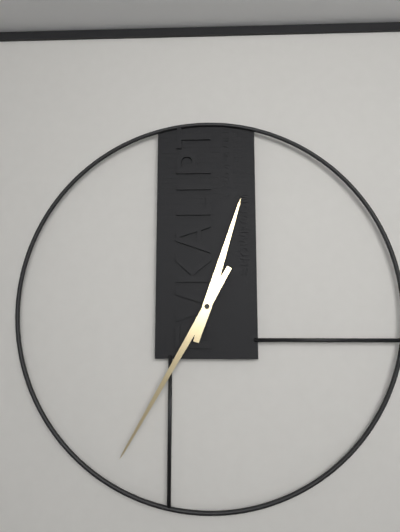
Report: {"hour": 12, "minute": 35}
